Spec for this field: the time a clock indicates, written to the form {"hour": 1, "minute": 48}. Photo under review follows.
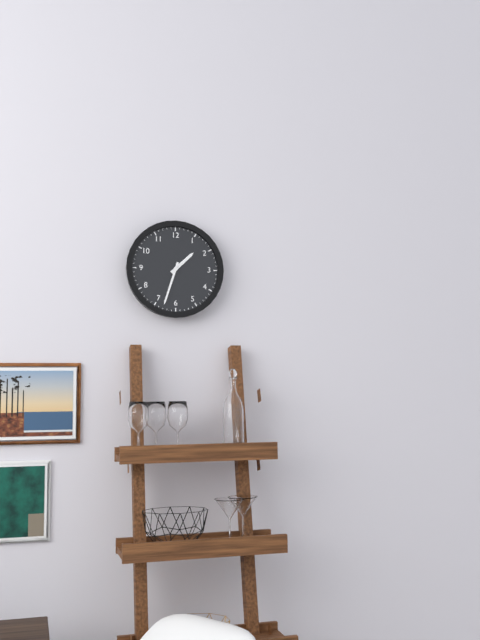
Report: {"hour": 1, "minute": 33}
